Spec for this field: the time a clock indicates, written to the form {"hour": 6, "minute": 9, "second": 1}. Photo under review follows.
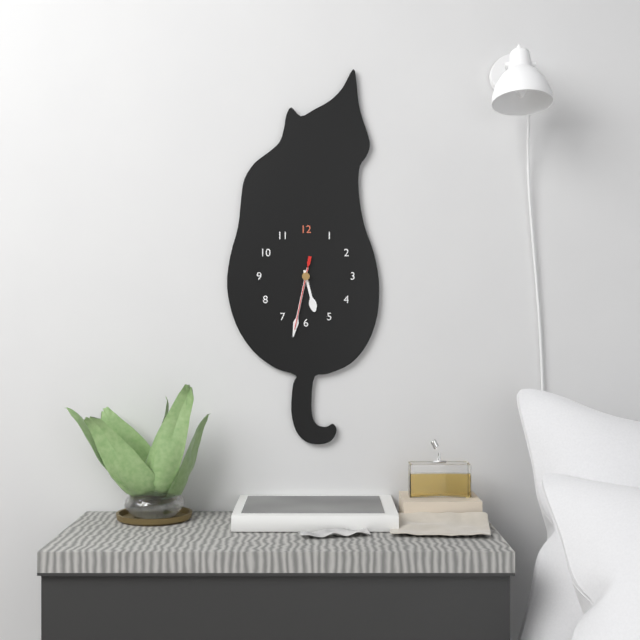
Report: {"hour": 5, "minute": 32, "second": 32}
